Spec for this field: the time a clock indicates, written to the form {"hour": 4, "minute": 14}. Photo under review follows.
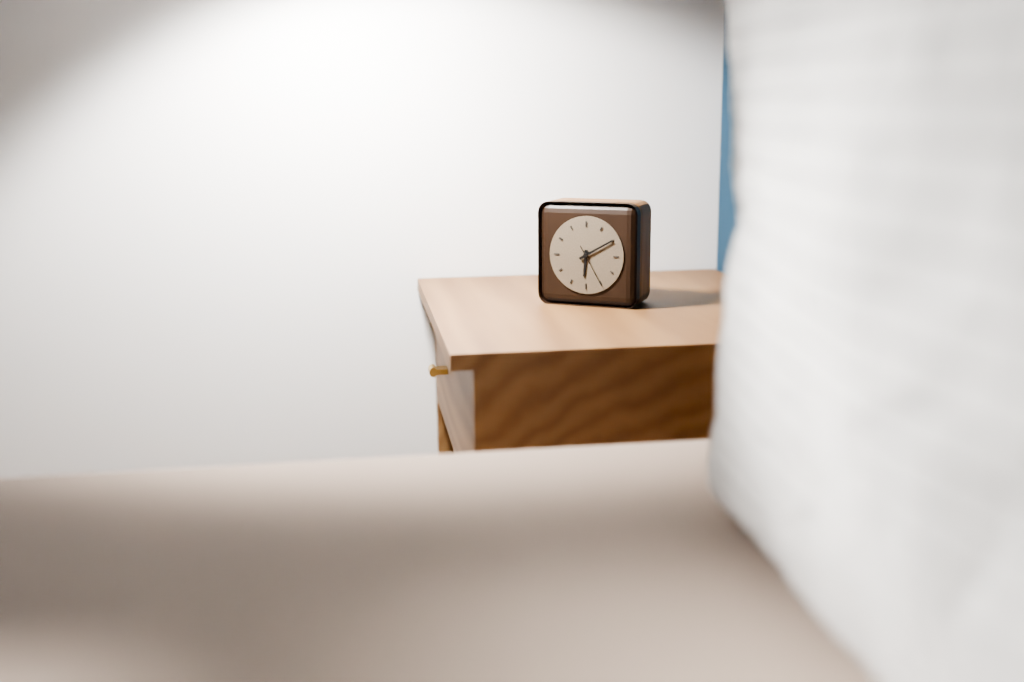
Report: {"hour": 6, "minute": 10}
